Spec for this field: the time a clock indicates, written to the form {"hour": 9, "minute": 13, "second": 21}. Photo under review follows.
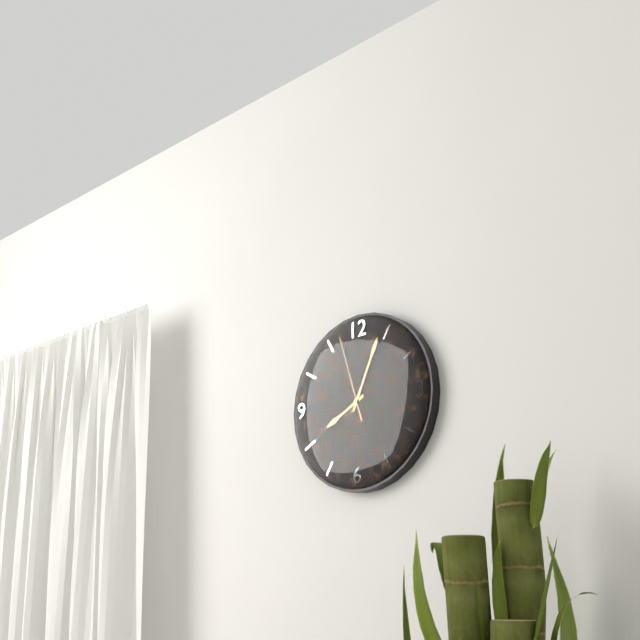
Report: {"hour": 8, "minute": 4, "second": 57}
